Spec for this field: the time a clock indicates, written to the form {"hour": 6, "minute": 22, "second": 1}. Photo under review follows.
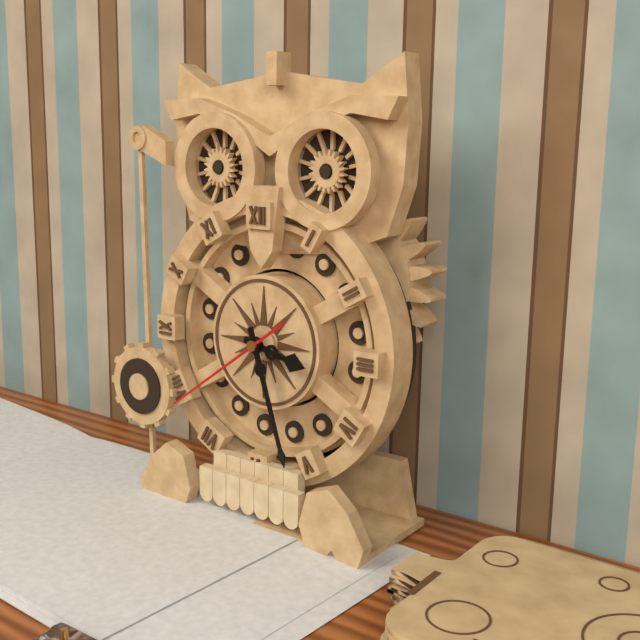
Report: {"hour": 3, "minute": 27, "second": 39}
